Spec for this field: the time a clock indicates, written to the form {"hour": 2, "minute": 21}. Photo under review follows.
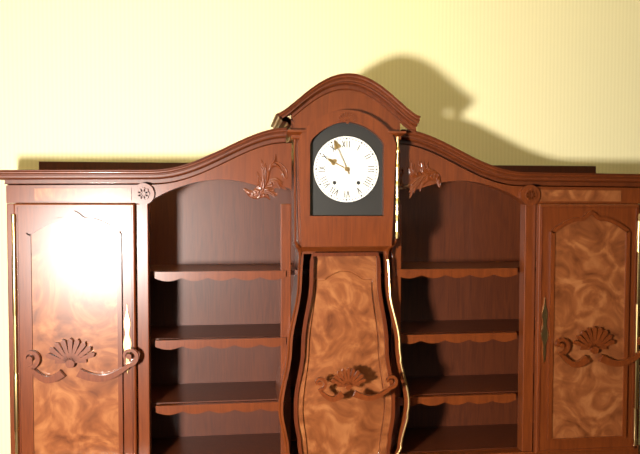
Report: {"hour": 9, "minute": 56}
